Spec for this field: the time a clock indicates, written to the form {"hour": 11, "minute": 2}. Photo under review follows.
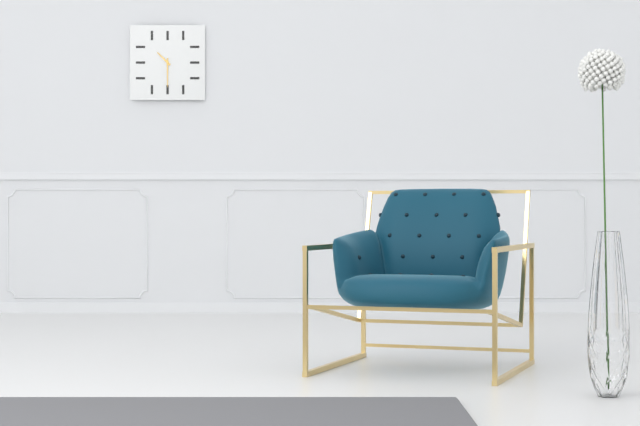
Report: {"hour": 10, "minute": 30}
